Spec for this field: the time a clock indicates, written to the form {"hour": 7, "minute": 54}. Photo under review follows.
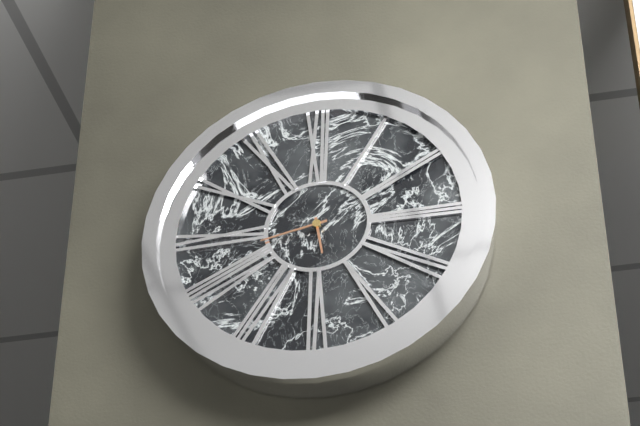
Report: {"hour": 5, "minute": 43}
